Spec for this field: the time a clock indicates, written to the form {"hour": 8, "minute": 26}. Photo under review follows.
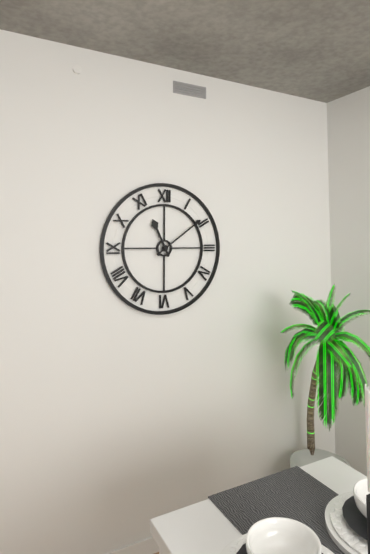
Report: {"hour": 11, "minute": 9}
